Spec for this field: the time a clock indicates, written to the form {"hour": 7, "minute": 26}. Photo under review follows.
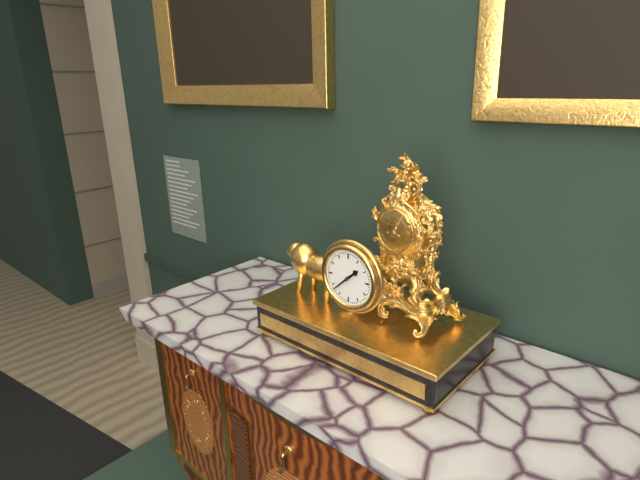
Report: {"hour": 1, "minute": 38}
